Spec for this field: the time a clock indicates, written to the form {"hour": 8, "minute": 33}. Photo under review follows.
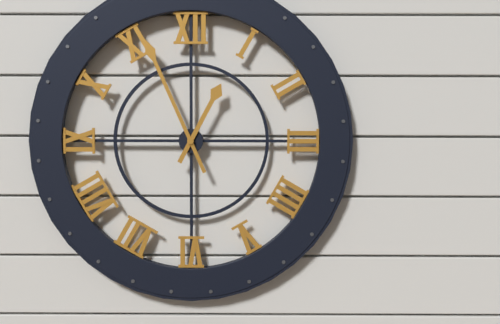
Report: {"hour": 12, "minute": 56}
